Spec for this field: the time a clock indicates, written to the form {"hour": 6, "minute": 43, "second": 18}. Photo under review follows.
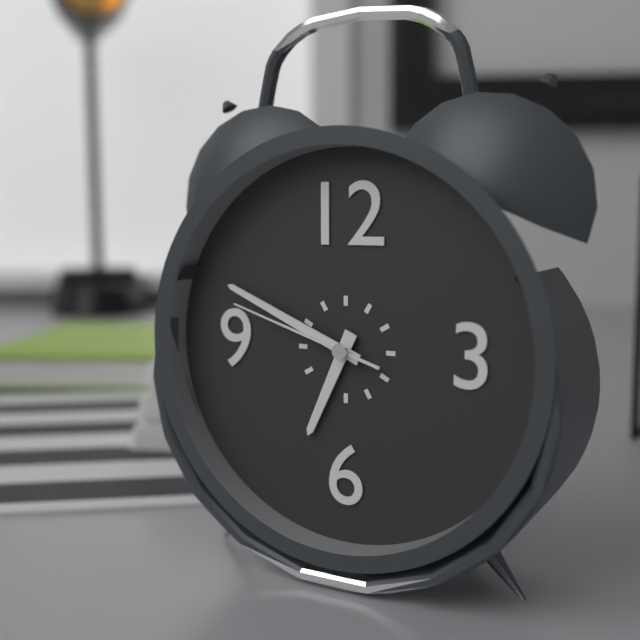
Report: {"hour": 6, "minute": 49, "second": 48}
